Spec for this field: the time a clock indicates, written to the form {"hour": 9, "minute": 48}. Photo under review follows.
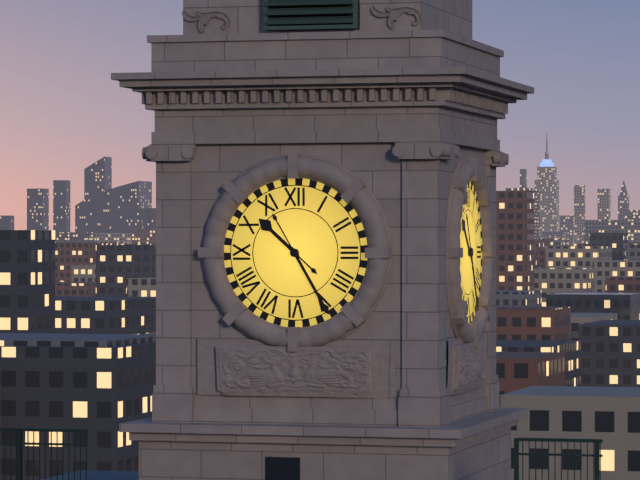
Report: {"hour": 10, "minute": 25}
